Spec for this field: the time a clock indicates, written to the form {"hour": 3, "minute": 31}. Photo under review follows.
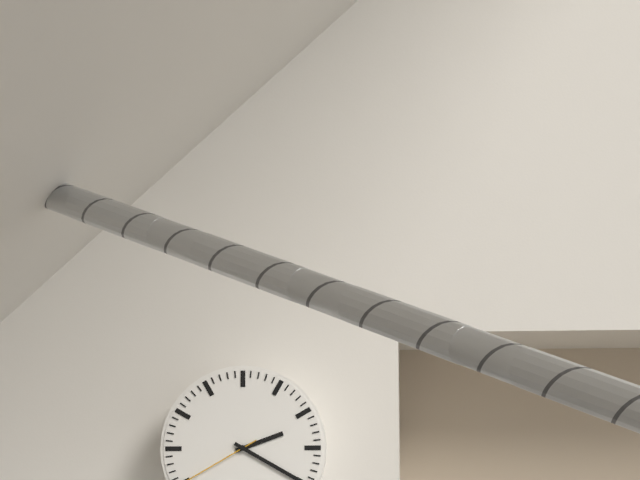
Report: {"hour": 2, "minute": 20}
